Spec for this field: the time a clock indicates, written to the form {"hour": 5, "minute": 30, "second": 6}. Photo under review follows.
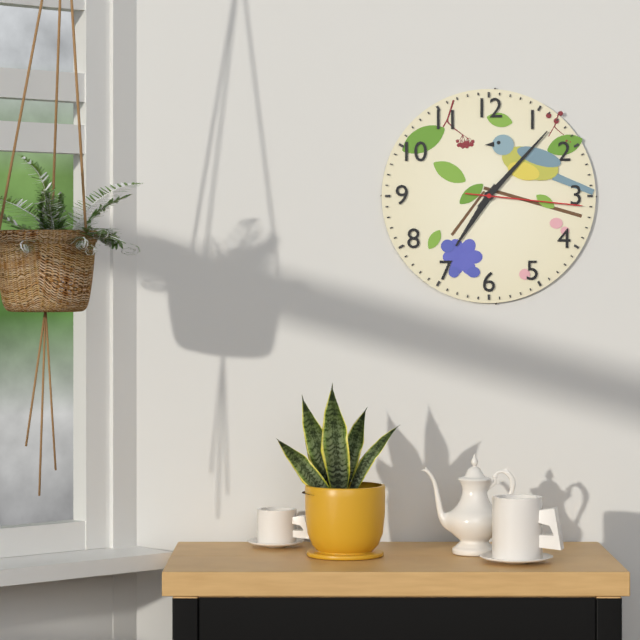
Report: {"hour": 7, "minute": 7, "second": 16}
